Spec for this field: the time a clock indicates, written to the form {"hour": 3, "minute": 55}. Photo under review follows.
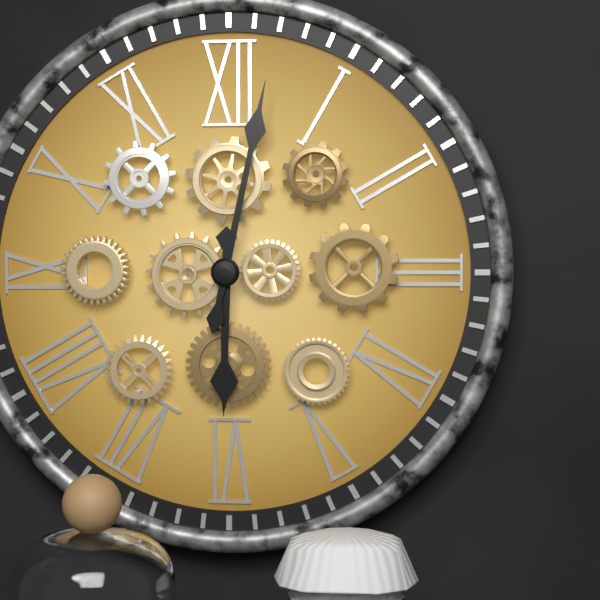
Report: {"hour": 6, "minute": 2}
